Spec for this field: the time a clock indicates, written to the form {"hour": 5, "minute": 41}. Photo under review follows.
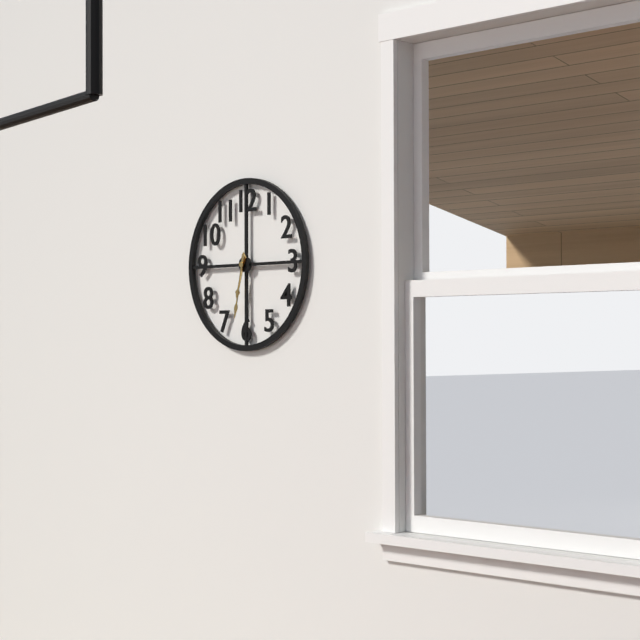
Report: {"hour": 6, "minute": 32}
